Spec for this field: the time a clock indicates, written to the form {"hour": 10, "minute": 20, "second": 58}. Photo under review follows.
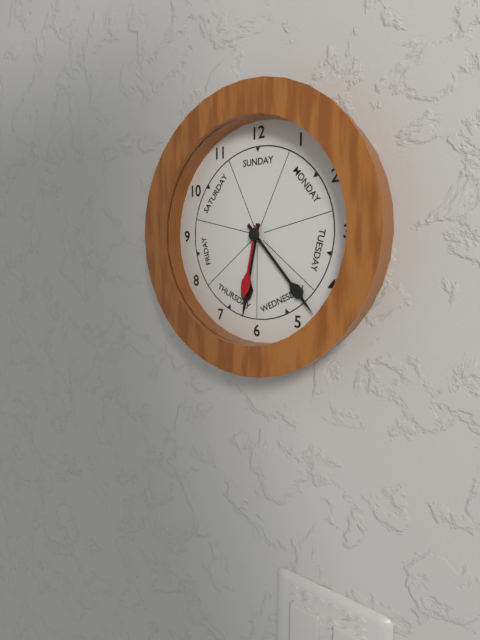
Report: {"hour": 6, "minute": 23, "second": 32}
